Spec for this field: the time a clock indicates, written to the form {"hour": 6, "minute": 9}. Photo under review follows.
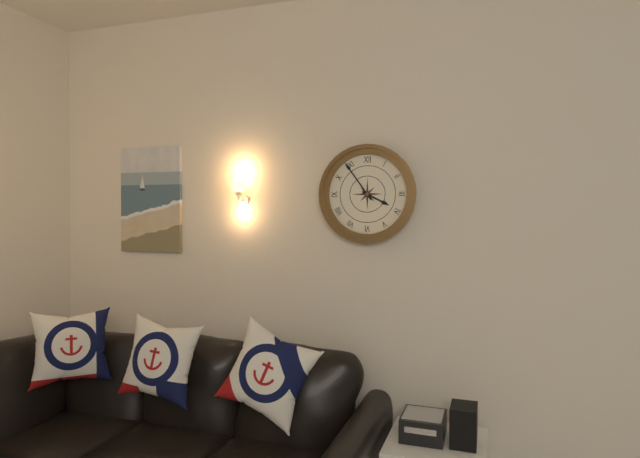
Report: {"hour": 3, "minute": 54}
